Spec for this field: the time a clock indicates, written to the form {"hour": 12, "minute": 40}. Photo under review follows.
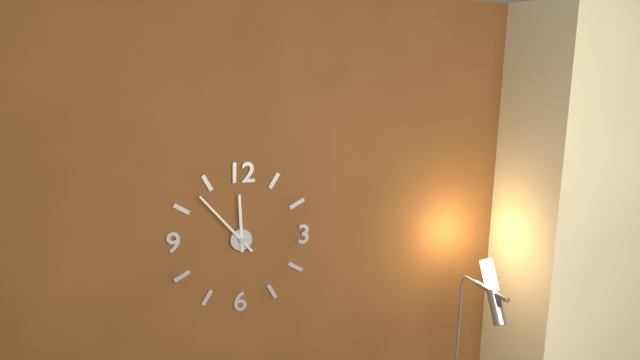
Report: {"hour": 11, "minute": 53}
